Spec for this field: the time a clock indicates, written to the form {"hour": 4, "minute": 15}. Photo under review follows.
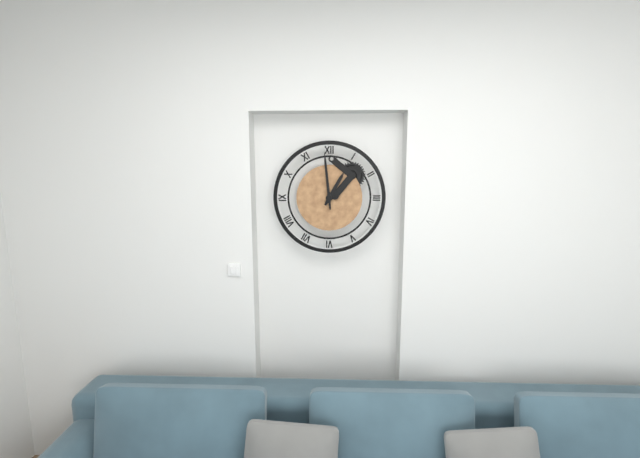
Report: {"hour": 12, "minute": 59}
